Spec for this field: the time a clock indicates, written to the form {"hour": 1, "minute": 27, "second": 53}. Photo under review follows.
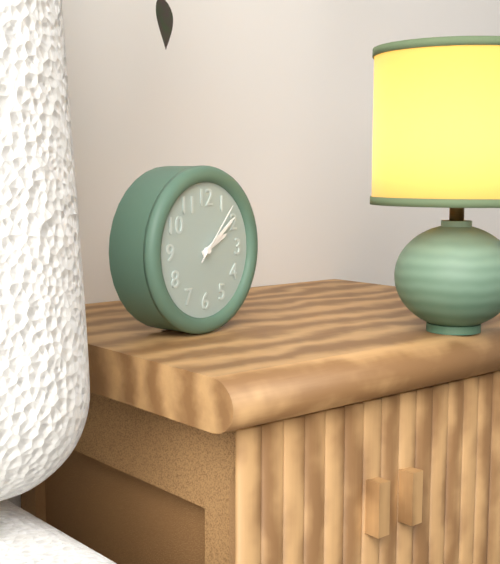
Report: {"hour": 2, "minute": 9, "second": 7}
